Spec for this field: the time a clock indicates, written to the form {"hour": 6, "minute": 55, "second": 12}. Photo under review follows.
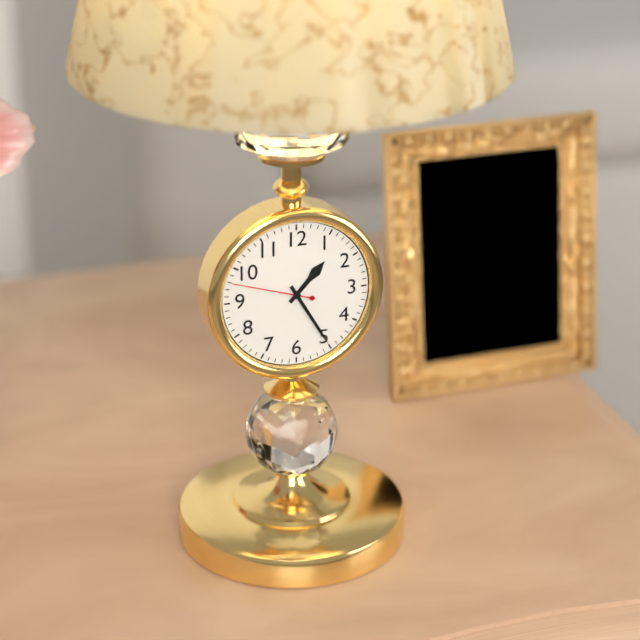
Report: {"hour": 1, "minute": 25, "second": 48}
